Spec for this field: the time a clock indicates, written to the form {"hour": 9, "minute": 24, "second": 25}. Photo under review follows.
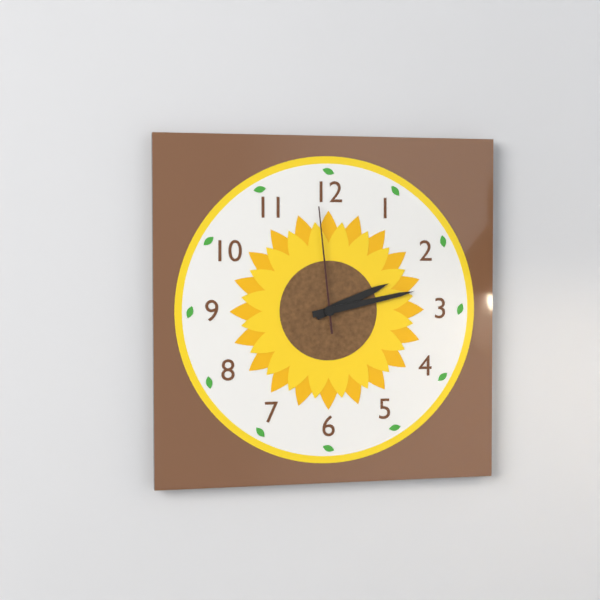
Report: {"hour": 2, "minute": 13, "second": 59}
